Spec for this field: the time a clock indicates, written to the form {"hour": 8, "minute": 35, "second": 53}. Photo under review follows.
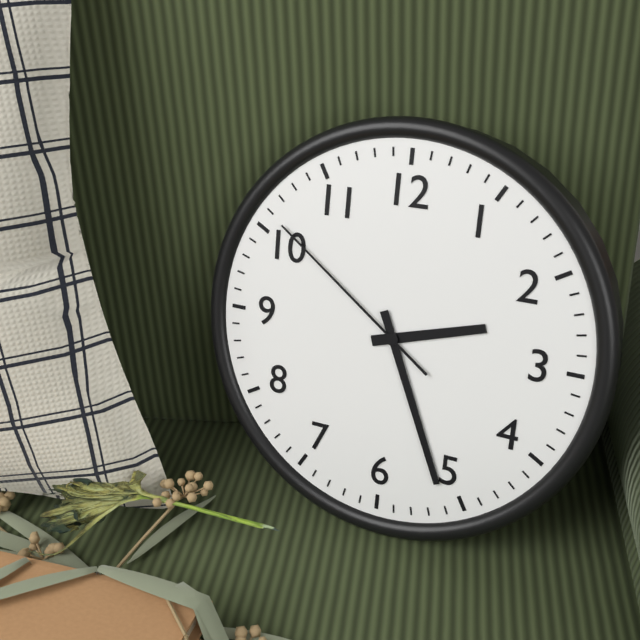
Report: {"hour": 2, "minute": 26, "second": 51}
